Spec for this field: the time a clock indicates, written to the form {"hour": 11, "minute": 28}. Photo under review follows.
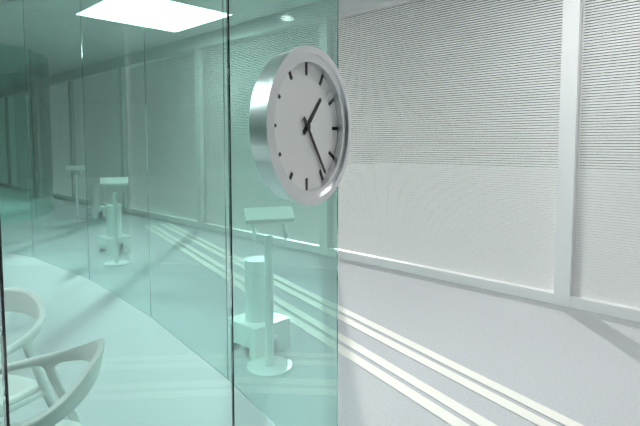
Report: {"hour": 1, "minute": 24}
